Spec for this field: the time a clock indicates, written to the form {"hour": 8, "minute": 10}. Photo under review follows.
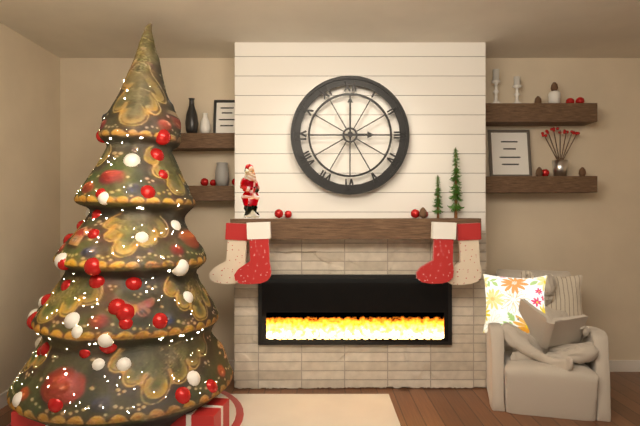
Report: {"hour": 3, "minute": 0}
